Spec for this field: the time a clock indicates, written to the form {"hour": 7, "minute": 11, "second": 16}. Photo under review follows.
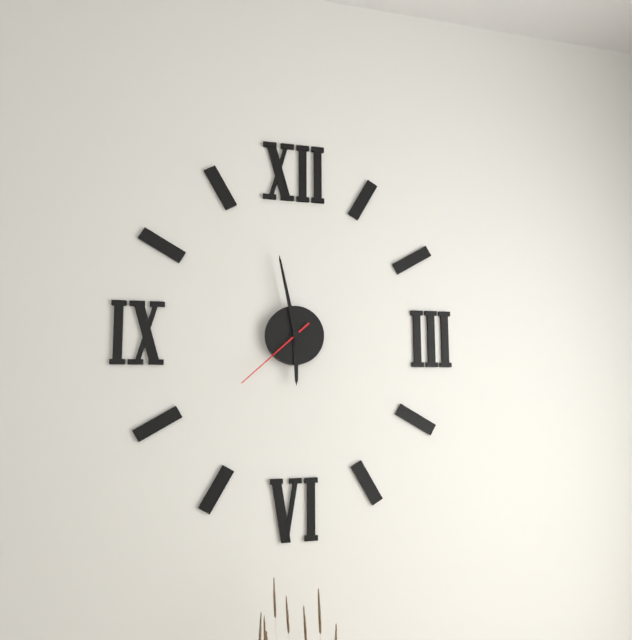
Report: {"hour": 5, "minute": 58, "second": 38}
